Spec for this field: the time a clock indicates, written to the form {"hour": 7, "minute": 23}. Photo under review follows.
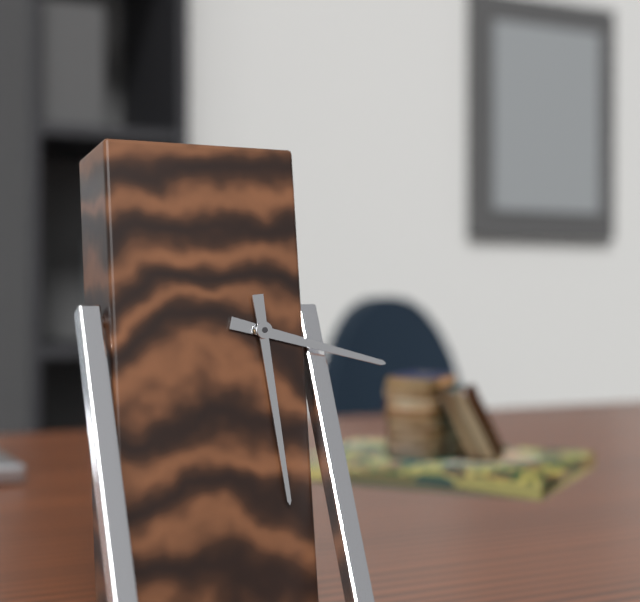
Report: {"hour": 3, "minute": 29}
